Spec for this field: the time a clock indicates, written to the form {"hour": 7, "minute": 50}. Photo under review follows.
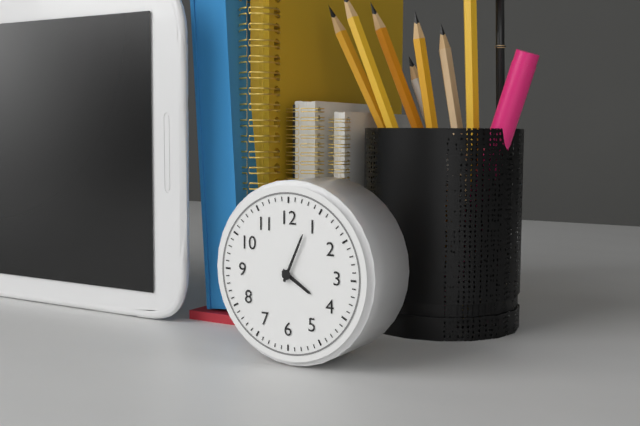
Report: {"hour": 4, "minute": 4}
